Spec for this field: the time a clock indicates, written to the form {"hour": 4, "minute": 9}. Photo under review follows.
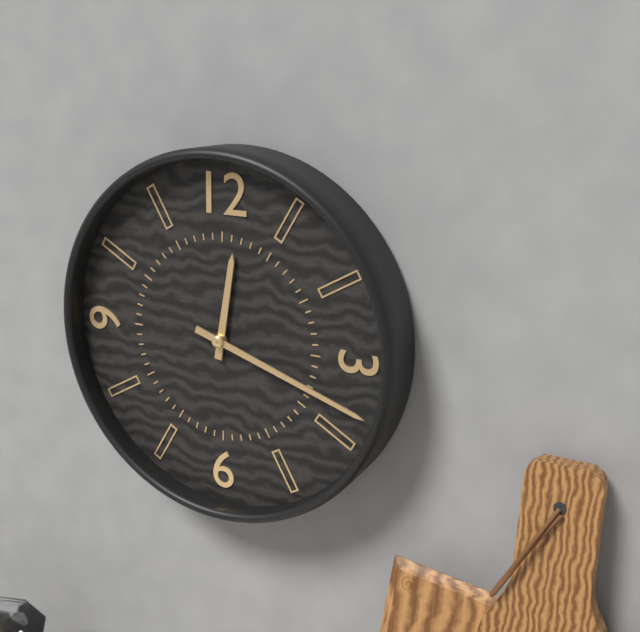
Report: {"hour": 12, "minute": 18}
